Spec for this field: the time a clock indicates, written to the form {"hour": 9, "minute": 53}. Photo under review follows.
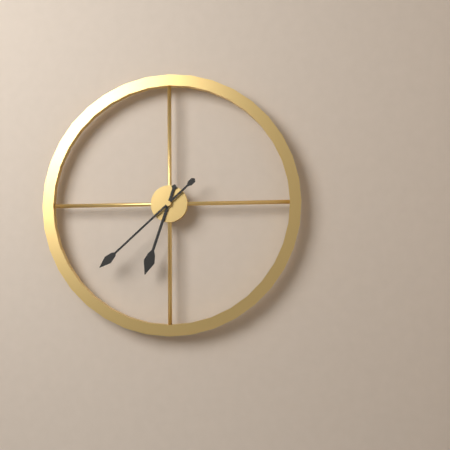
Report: {"hour": 6, "minute": 38}
